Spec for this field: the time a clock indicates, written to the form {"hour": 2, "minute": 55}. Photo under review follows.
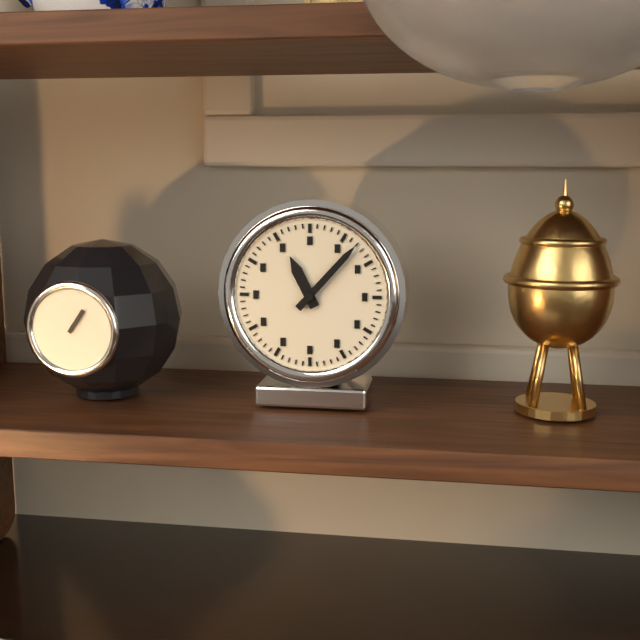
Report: {"hour": 11, "minute": 7}
